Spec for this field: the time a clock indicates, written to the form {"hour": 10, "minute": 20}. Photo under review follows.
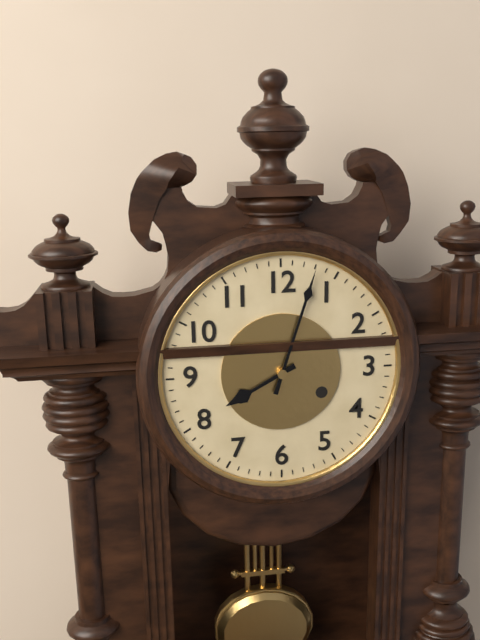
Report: {"hour": 8, "minute": 3}
